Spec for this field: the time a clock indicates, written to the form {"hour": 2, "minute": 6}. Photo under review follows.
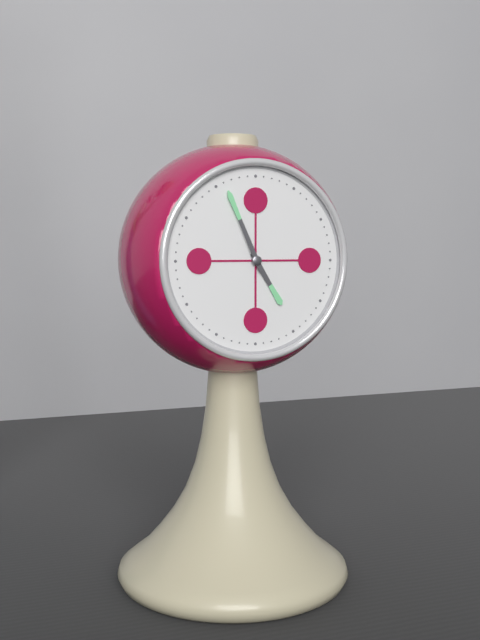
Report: {"hour": 4, "minute": 56}
